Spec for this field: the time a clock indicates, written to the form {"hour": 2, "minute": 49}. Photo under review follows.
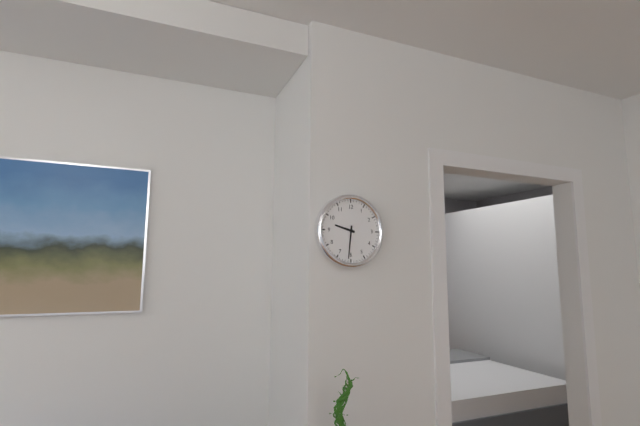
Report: {"hour": 9, "minute": 31}
